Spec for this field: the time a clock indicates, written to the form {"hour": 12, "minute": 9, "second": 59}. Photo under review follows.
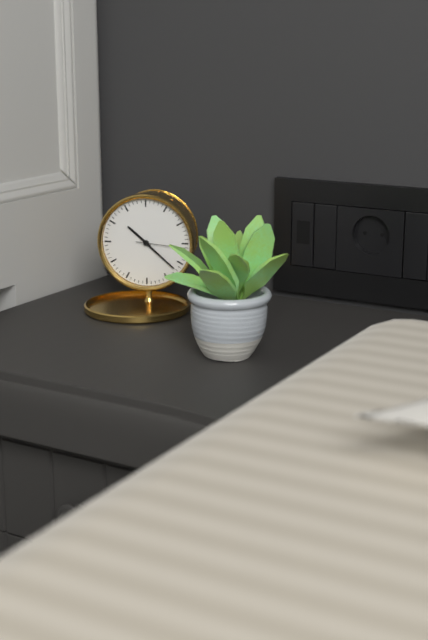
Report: {"hour": 10, "minute": 22, "second": 16}
